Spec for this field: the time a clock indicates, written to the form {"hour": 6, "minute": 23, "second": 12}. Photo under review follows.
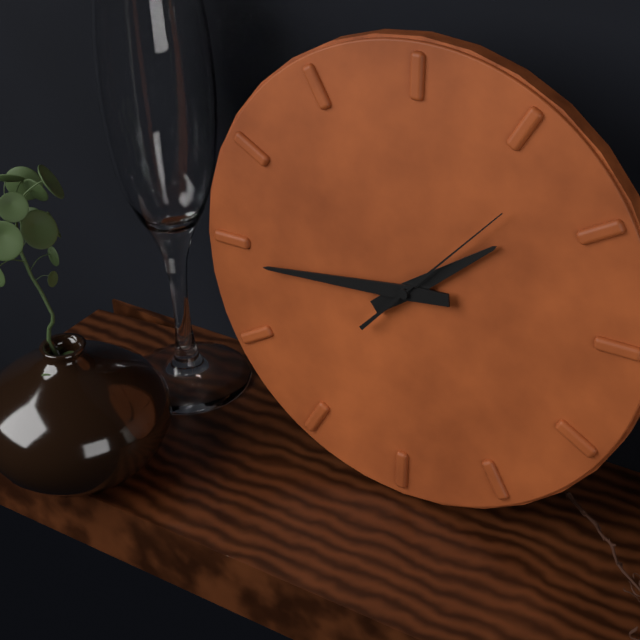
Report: {"hour": 1, "minute": 44, "second": 7}
